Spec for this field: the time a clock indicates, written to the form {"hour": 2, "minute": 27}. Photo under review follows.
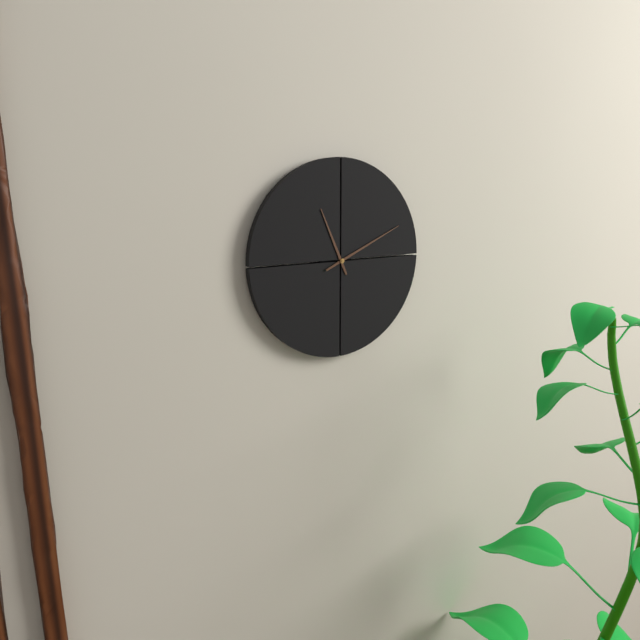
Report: {"hour": 11, "minute": 11}
